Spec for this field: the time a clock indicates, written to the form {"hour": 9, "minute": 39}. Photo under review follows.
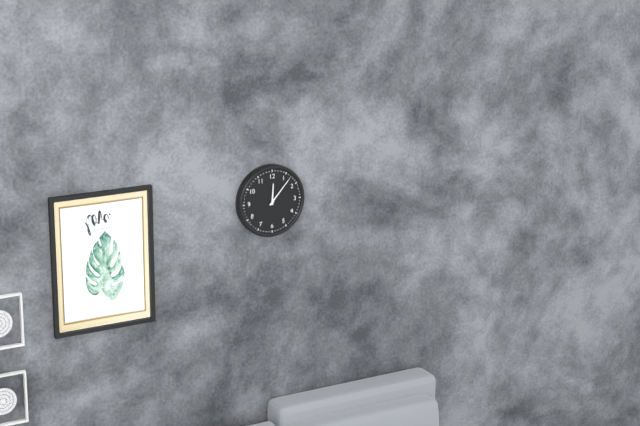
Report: {"hour": 12, "minute": 7}
